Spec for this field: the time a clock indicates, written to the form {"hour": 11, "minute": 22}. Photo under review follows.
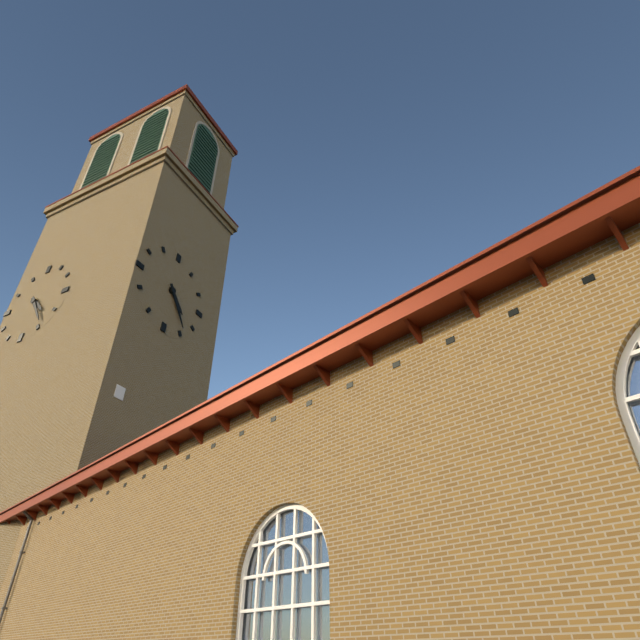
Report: {"hour": 4, "minute": 24}
